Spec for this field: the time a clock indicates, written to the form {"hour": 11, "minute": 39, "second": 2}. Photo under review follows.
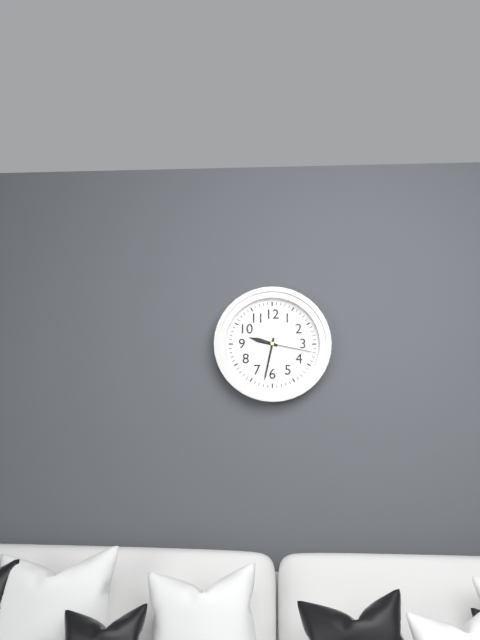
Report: {"hour": 9, "minute": 32, "second": 17}
